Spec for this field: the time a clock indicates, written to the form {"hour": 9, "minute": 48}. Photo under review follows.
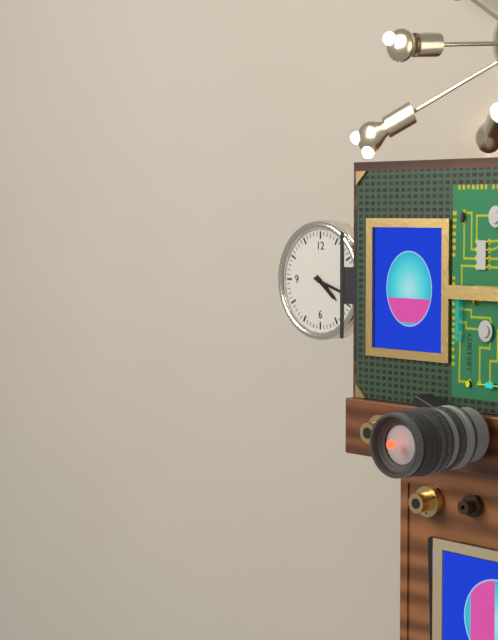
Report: {"hour": 4, "minute": 18}
